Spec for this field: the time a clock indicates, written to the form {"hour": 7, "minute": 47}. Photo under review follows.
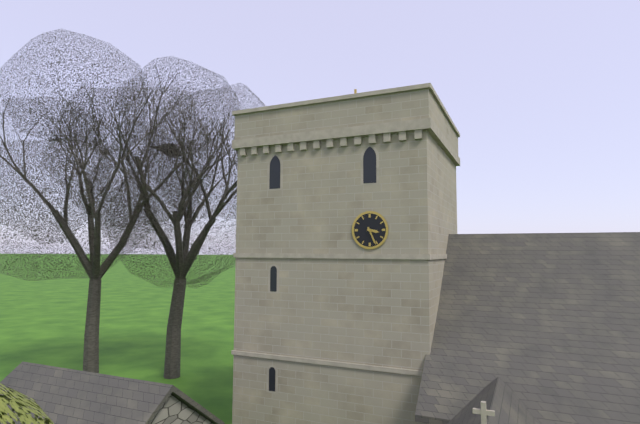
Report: {"hour": 3, "minute": 26}
